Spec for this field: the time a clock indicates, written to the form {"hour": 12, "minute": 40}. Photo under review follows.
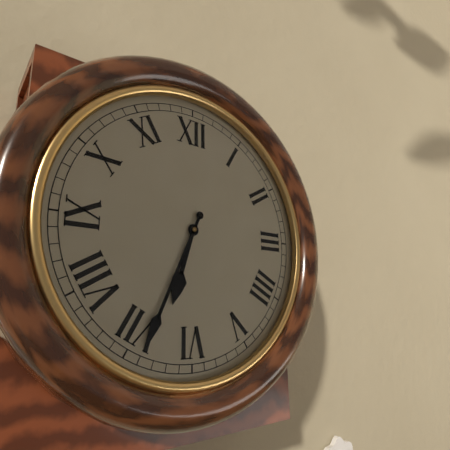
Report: {"hour": 6, "minute": 34}
